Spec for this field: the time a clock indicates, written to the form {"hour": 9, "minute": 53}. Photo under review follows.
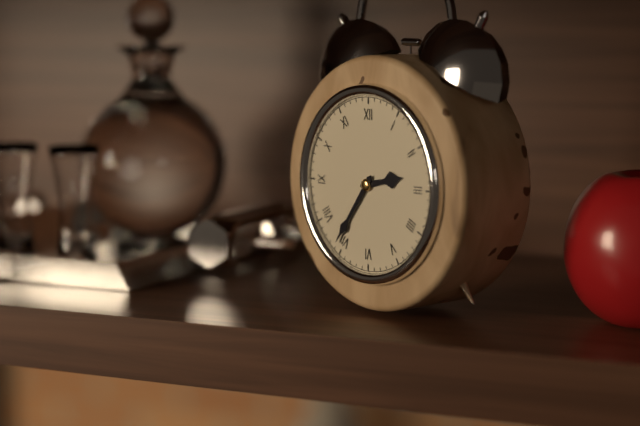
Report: {"hour": 2, "minute": 36}
